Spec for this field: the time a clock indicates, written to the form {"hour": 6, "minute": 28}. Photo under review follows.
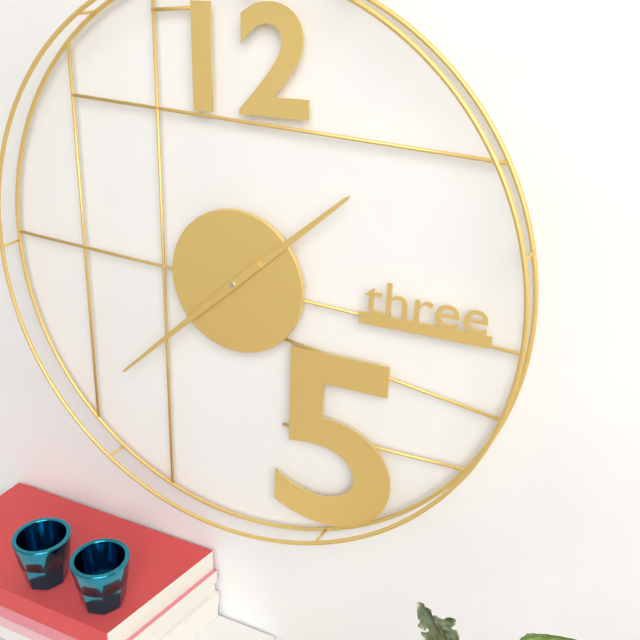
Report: {"hour": 1, "minute": 38}
